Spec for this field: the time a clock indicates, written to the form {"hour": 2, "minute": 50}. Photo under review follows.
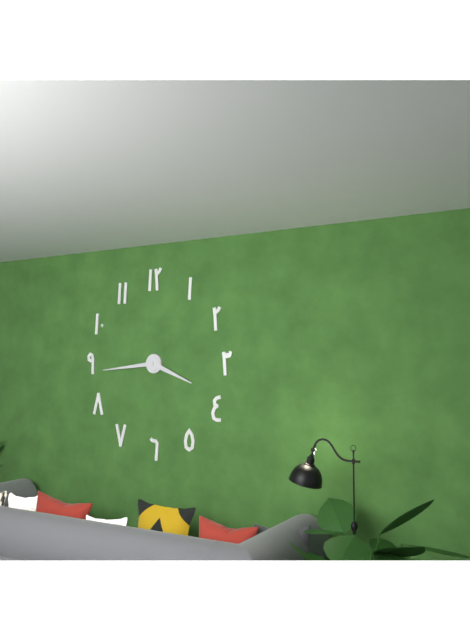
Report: {"hour": 3, "minute": 44}
